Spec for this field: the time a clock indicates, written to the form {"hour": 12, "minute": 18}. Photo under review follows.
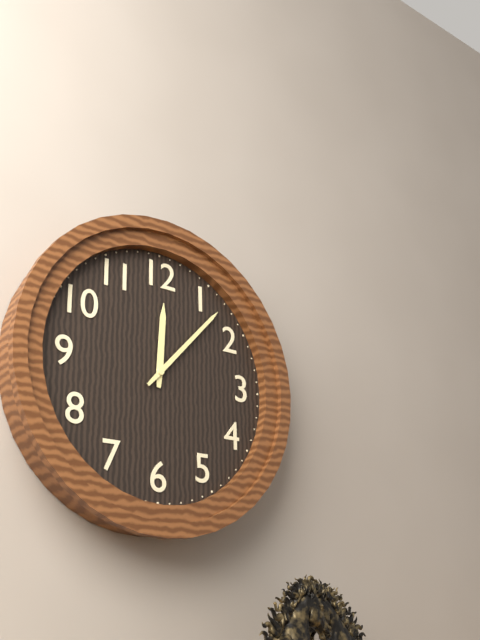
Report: {"hour": 12, "minute": 7}
